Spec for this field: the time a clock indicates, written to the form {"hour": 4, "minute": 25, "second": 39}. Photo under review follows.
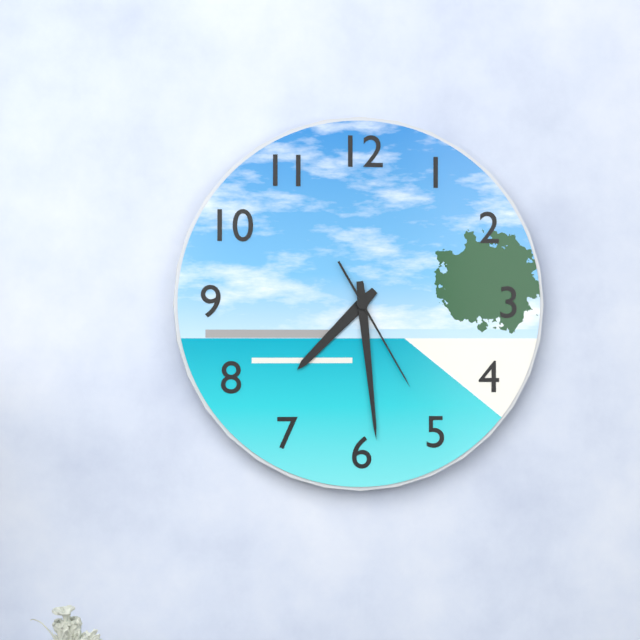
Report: {"hour": 7, "minute": 29, "second": 25}
